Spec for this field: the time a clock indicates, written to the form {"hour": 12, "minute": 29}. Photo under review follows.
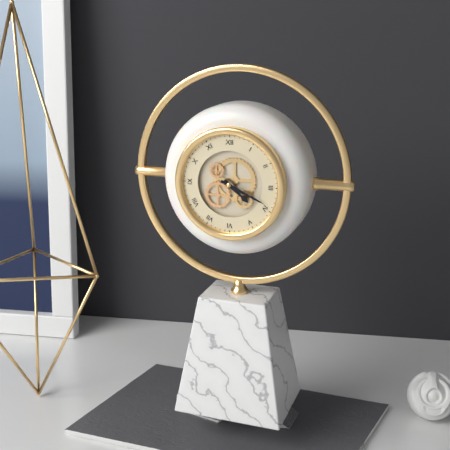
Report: {"hour": 4, "minute": 19}
